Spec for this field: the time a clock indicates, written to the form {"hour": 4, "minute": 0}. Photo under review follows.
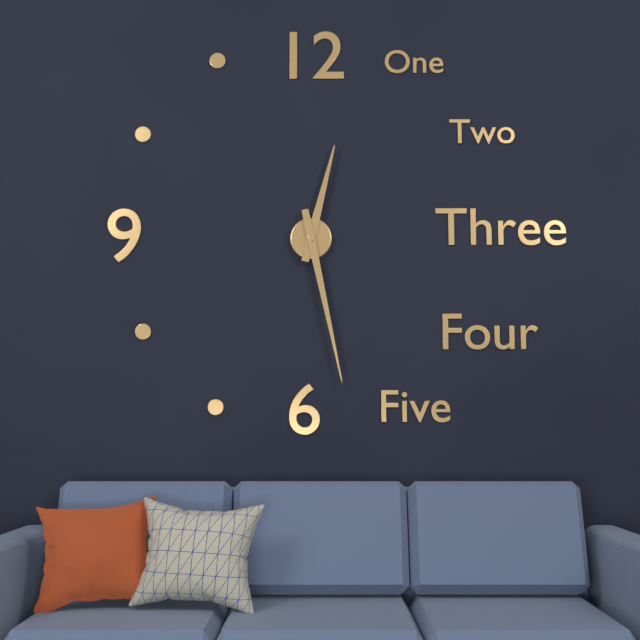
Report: {"hour": 12, "minute": 28}
